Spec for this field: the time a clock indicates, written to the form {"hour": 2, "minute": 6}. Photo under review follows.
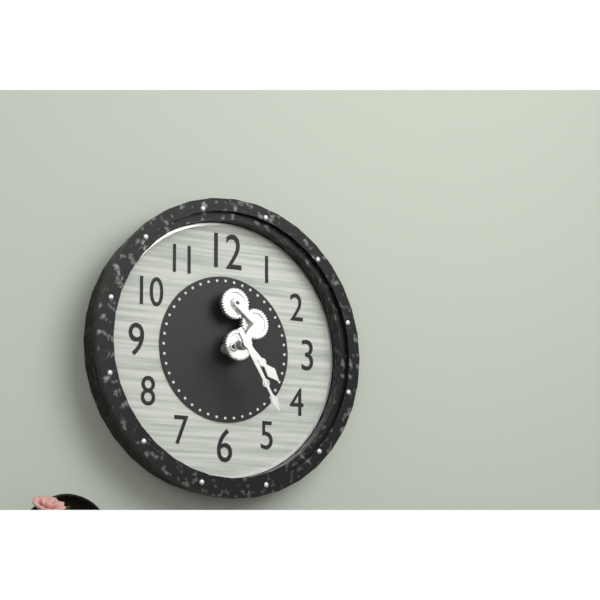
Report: {"hour": 4, "minute": 25}
